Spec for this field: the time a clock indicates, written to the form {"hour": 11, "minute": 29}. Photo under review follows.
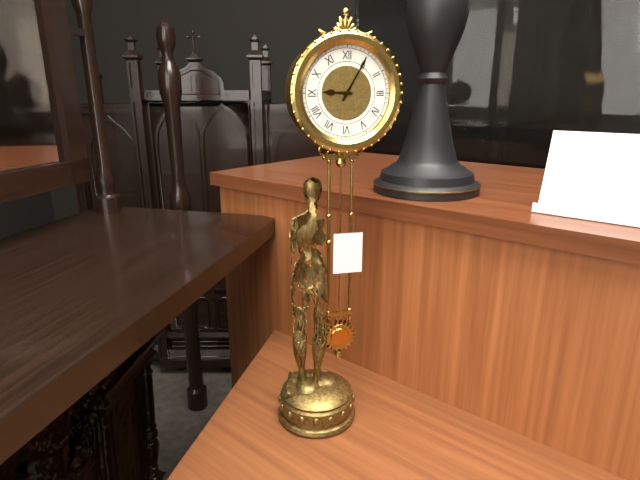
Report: {"hour": 9, "minute": 5}
